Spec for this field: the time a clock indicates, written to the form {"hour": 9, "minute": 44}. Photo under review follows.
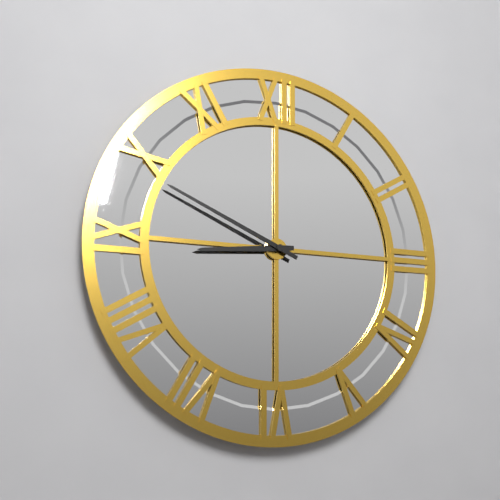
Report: {"hour": 8, "minute": 49}
